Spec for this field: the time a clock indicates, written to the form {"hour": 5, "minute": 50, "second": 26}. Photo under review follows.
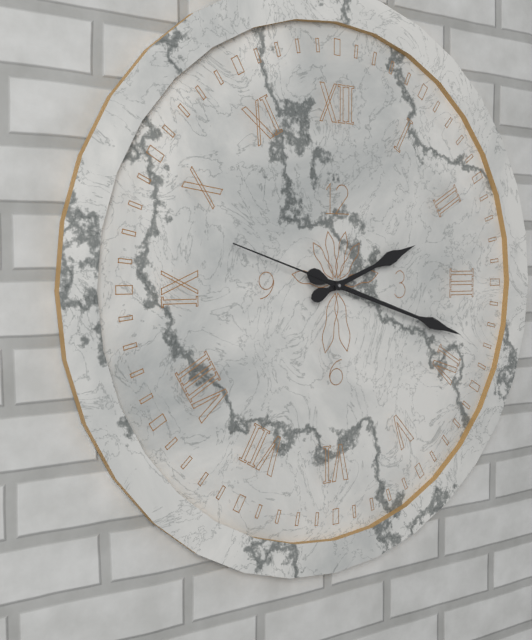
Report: {"hour": 2, "minute": 18, "second": 48}
